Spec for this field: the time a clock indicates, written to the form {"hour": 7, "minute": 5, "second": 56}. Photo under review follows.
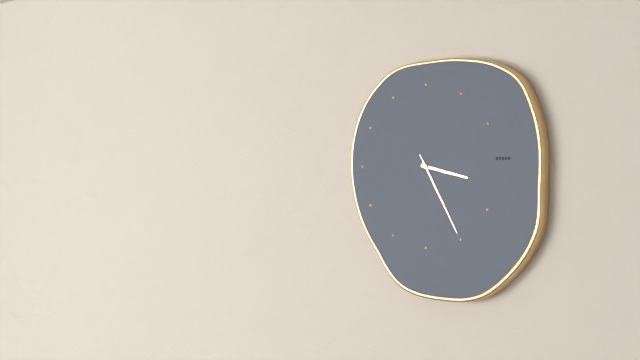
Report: {"hour": 3, "minute": 25, "second": 25}
